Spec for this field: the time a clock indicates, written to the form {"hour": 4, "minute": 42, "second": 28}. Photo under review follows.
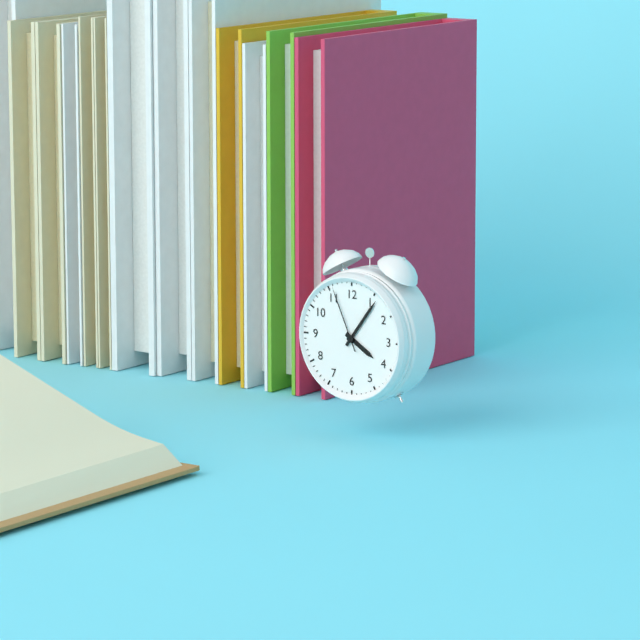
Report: {"hour": 4, "minute": 6, "second": 56}
